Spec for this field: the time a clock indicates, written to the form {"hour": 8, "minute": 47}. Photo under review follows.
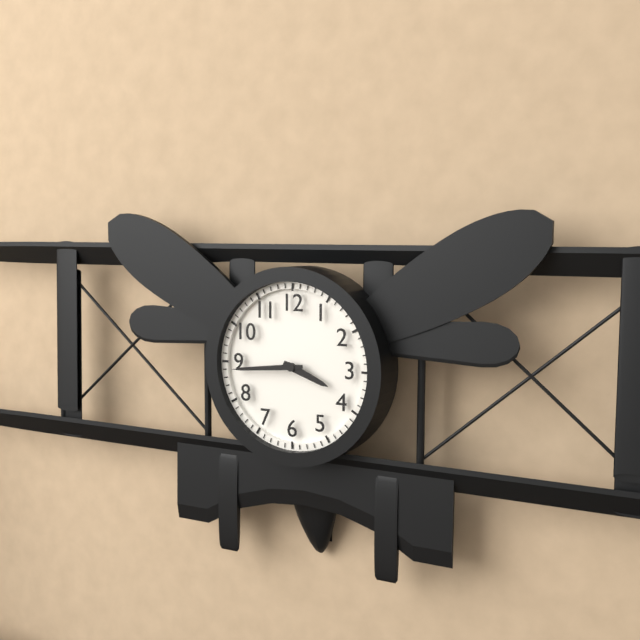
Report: {"hour": 3, "minute": 44}
